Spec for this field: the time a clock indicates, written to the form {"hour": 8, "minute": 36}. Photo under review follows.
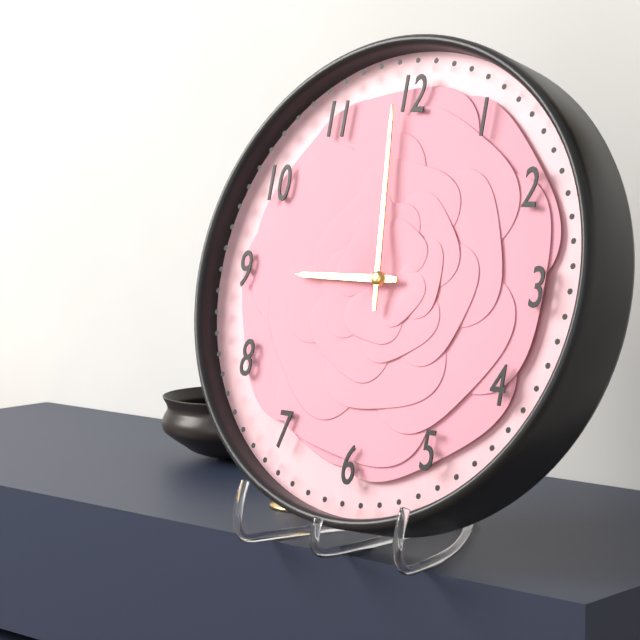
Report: {"hour": 8, "minute": 59}
